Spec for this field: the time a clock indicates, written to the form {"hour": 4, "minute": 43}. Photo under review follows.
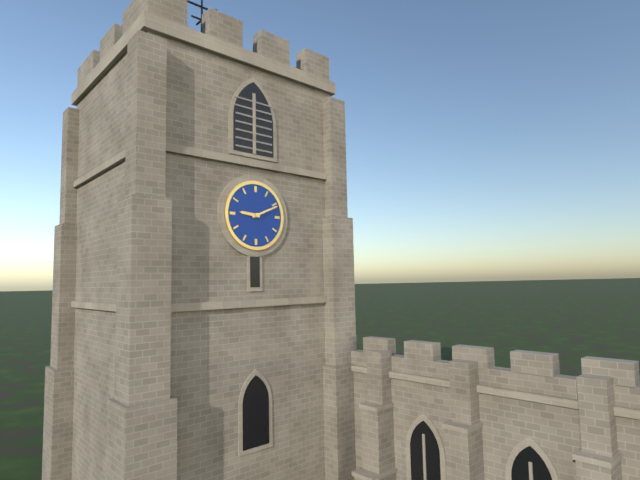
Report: {"hour": 9, "minute": 11}
